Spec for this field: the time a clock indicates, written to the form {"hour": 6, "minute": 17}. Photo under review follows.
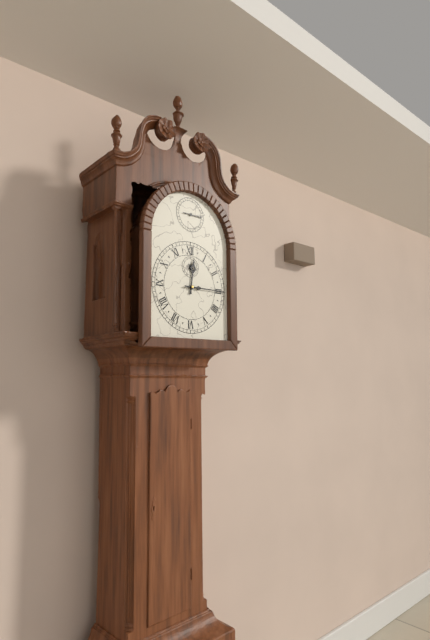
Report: {"hour": 12, "minute": 15}
